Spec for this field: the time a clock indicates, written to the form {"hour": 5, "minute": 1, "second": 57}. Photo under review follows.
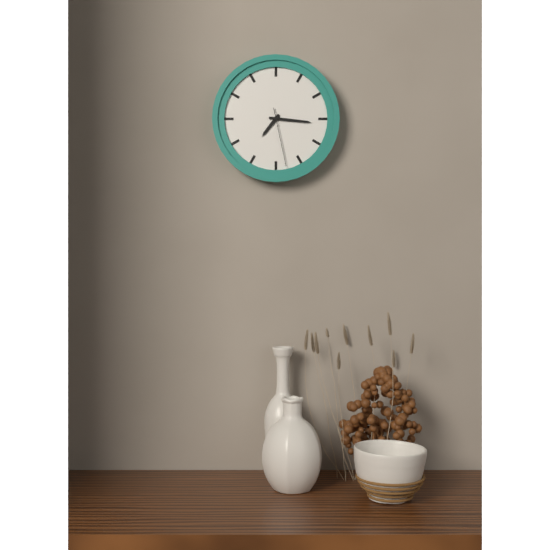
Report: {"hour": 7, "minute": 16, "second": 28}
